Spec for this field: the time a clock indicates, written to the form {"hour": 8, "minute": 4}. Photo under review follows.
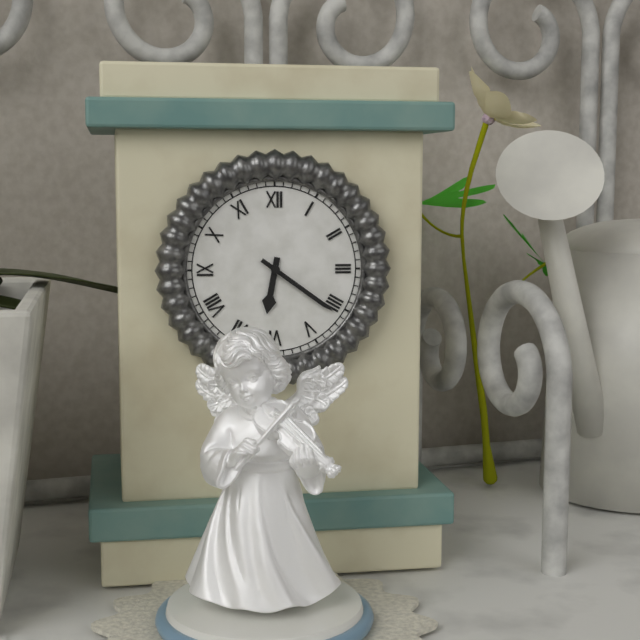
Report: {"hour": 6, "minute": 21}
